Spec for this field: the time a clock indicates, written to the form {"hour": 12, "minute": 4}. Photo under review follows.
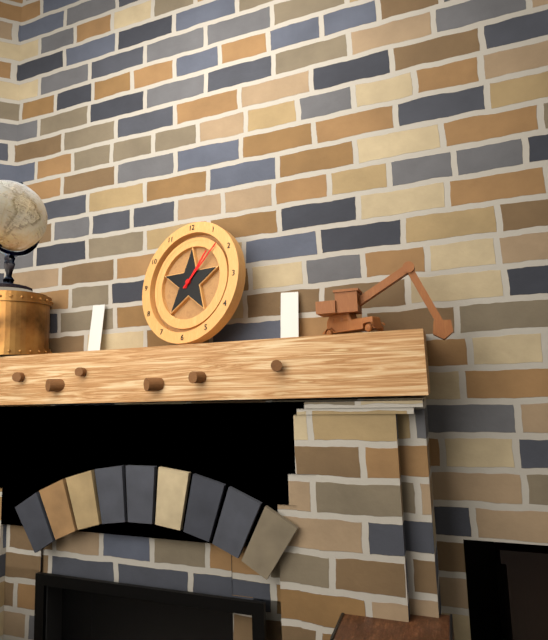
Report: {"hour": 1, "minute": 7}
